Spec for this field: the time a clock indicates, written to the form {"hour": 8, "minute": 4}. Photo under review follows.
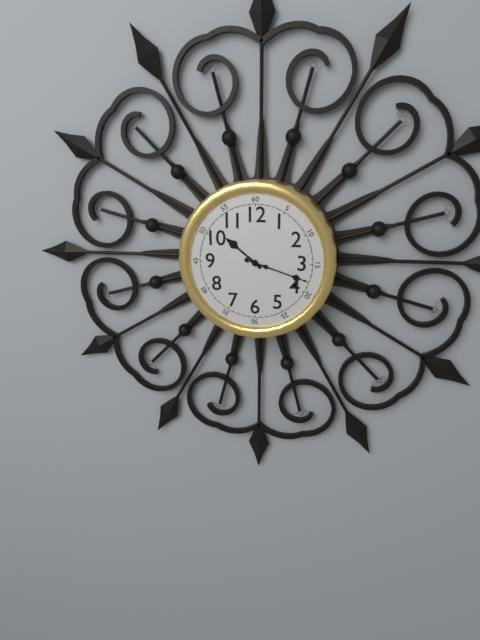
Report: {"hour": 10, "minute": 18}
